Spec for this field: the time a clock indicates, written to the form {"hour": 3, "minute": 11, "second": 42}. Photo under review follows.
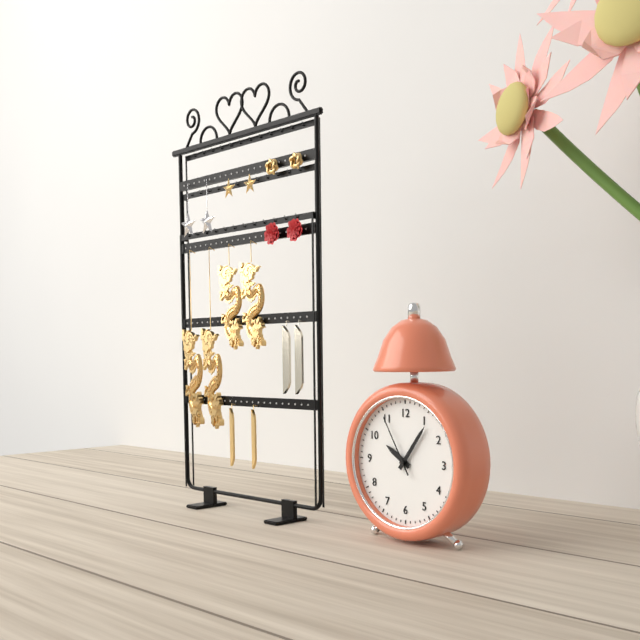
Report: {"hour": 10, "minute": 6, "second": 55}
